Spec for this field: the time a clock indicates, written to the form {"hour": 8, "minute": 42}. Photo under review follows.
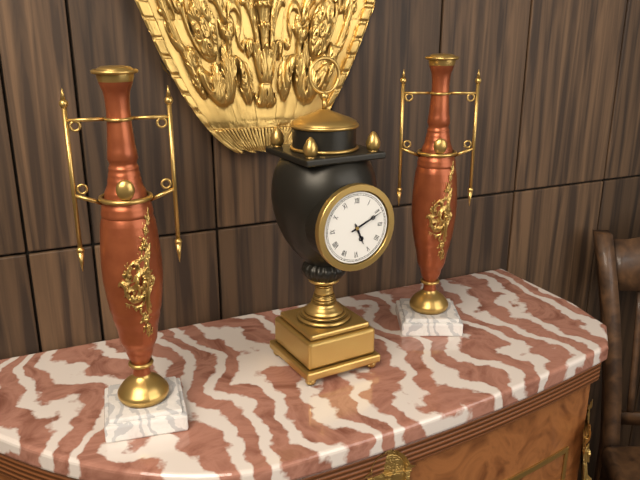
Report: {"hour": 5, "minute": 11}
